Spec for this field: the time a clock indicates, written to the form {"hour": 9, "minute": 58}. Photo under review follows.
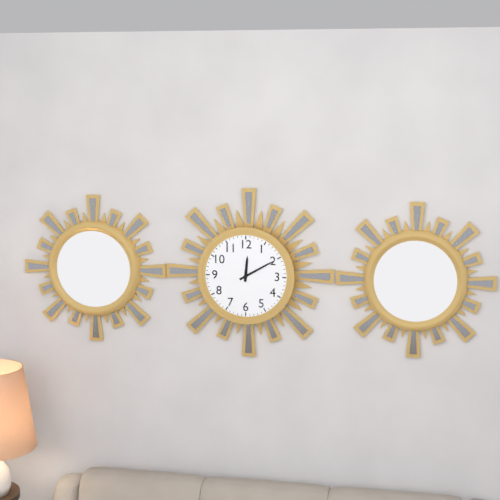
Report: {"hour": 12, "minute": 10}
